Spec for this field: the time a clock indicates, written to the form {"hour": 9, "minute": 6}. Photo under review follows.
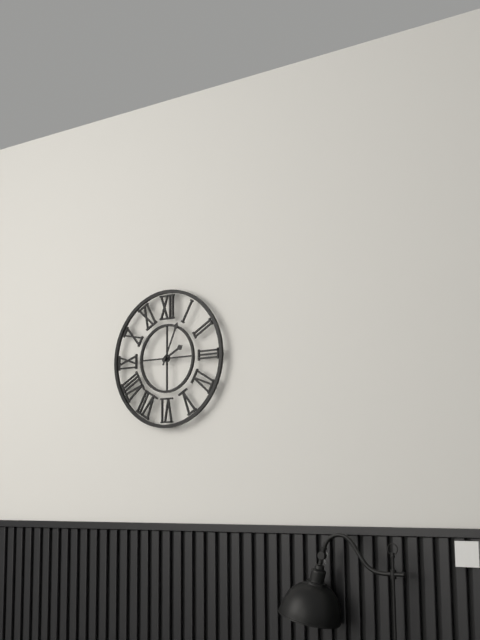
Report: {"hour": 2, "minute": 4}
